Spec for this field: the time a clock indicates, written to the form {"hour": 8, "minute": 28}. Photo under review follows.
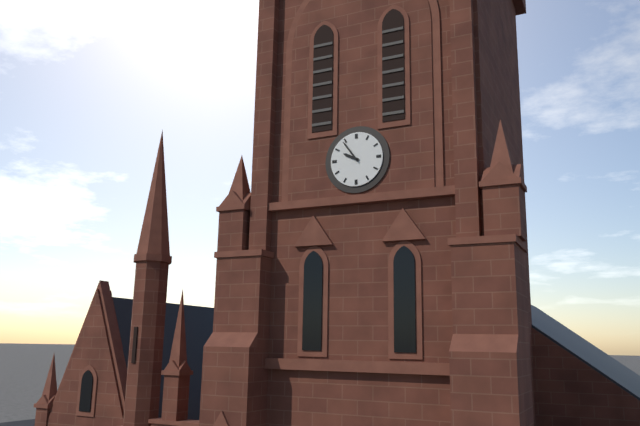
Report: {"hour": 9, "minute": 54}
